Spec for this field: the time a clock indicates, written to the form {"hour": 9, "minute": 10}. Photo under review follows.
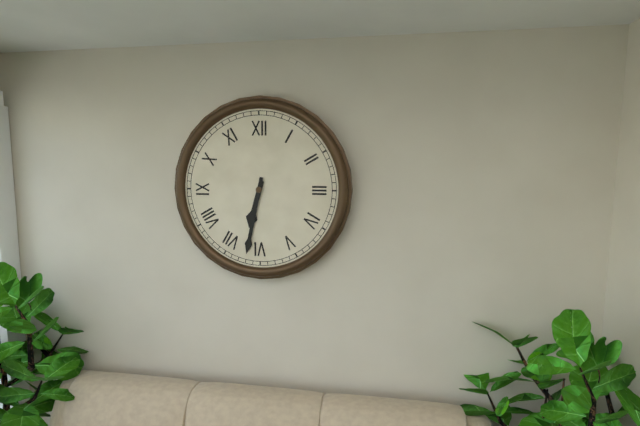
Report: {"hour": 6, "minute": 32}
